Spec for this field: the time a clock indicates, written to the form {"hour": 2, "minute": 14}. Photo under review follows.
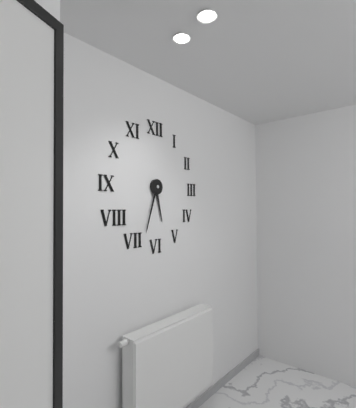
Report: {"hour": 5, "minute": 33}
